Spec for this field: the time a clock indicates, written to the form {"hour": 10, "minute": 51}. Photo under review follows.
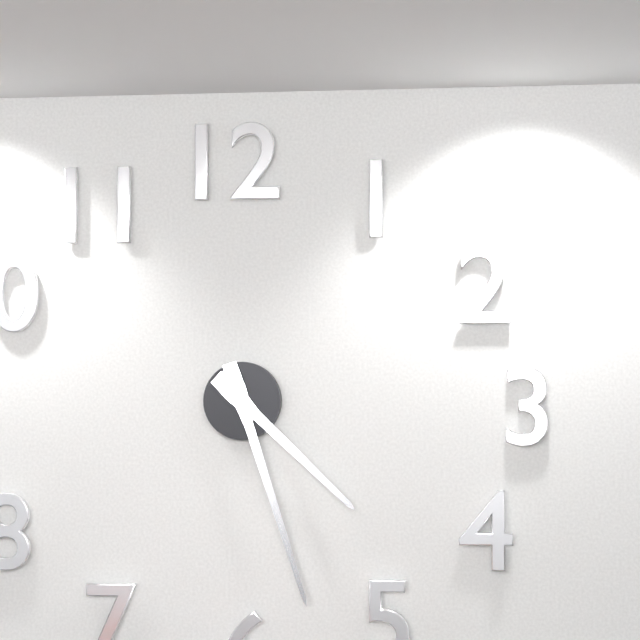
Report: {"hour": 4, "minute": 27}
